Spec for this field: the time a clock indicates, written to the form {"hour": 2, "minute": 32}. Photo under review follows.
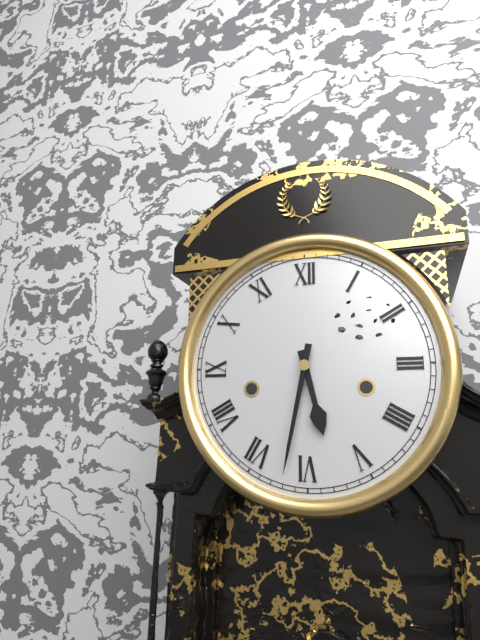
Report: {"hour": 5, "minute": 32}
